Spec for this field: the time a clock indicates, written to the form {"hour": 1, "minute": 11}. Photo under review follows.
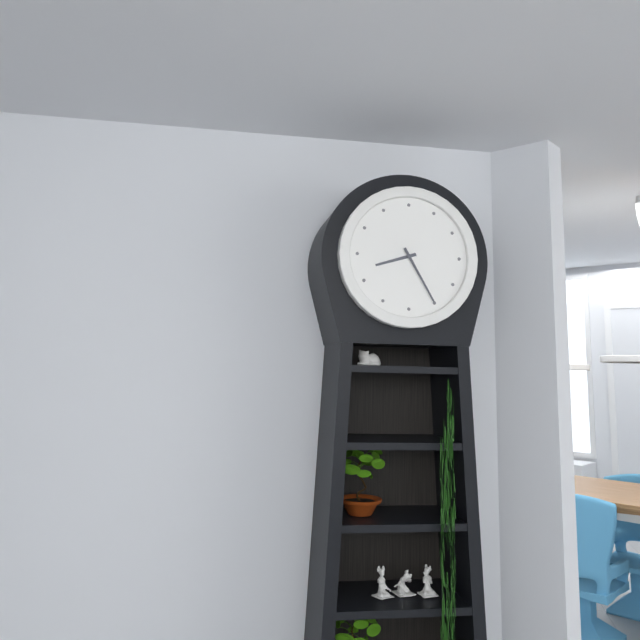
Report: {"hour": 8, "minute": 25}
